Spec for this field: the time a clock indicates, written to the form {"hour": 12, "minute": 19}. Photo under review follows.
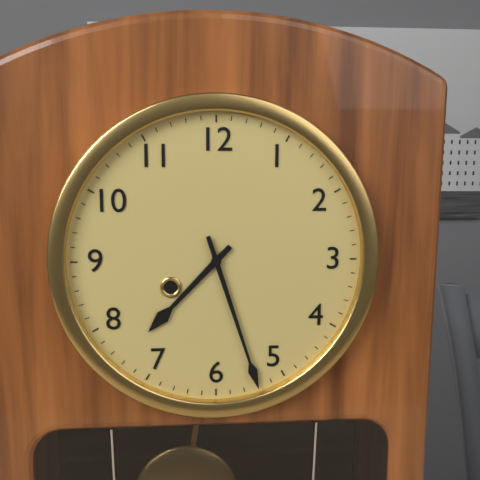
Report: {"hour": 7, "minute": 27}
